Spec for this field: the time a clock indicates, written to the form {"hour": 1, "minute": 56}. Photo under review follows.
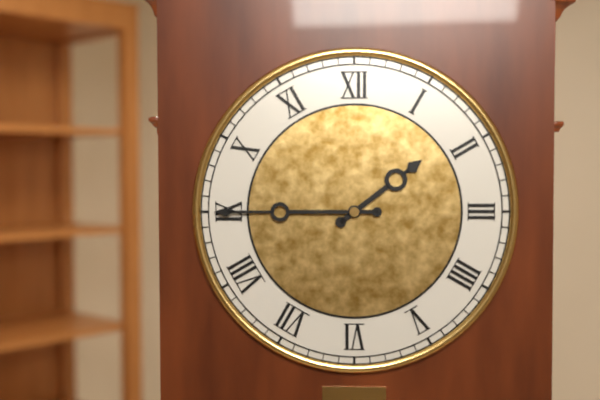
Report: {"hour": 1, "minute": 45}
